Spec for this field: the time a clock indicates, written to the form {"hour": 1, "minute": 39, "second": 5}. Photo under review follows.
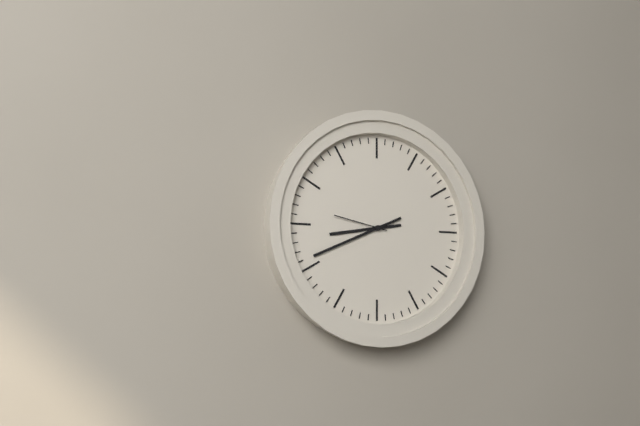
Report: {"hour": 8, "minute": 41, "second": 47}
